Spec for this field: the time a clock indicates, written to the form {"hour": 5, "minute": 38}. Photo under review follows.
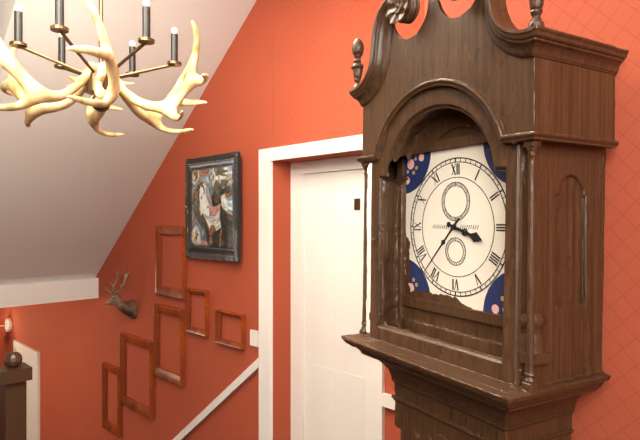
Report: {"hour": 3, "minute": 37}
